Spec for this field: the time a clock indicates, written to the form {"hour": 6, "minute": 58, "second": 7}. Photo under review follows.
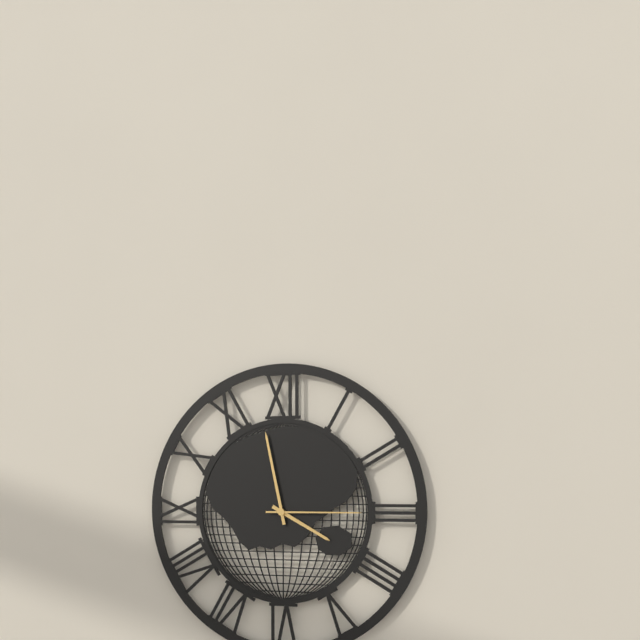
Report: {"hour": 3, "minute": 58, "second": 15}
